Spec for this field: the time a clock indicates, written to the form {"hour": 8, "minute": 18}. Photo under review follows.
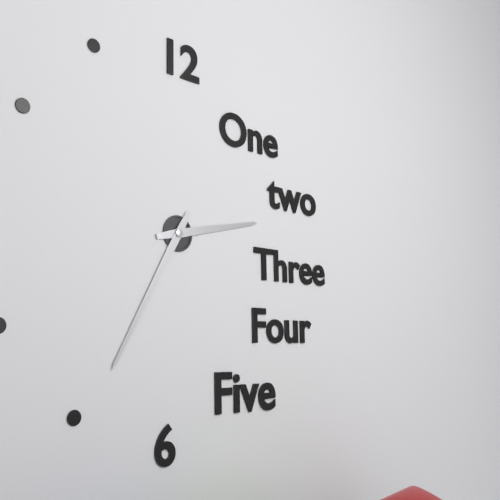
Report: {"hour": 2, "minute": 35}
